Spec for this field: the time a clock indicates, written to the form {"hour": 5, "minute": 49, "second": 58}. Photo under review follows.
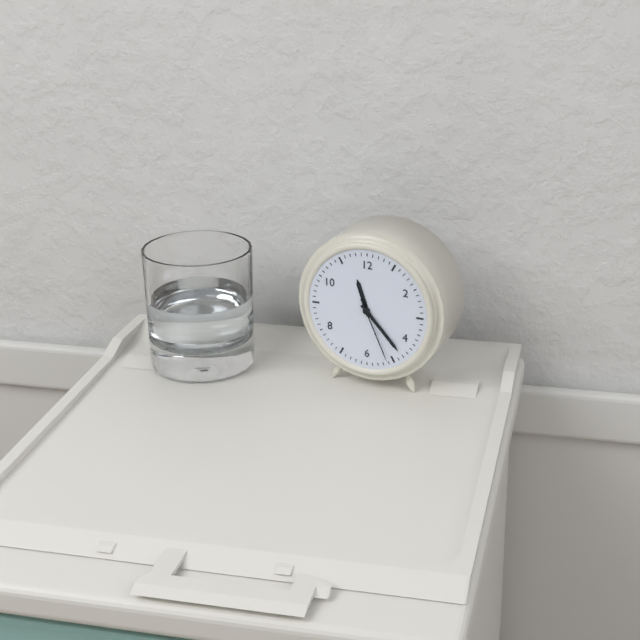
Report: {"hour": 11, "minute": 23, "second": 26}
